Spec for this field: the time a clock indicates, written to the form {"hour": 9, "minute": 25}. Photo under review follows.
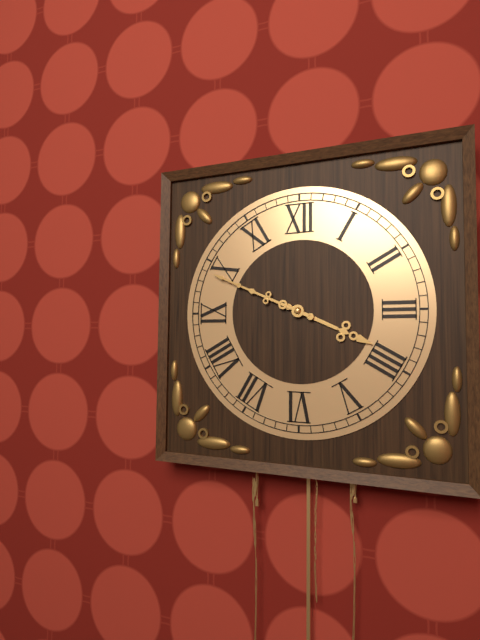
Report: {"hour": 3, "minute": 49}
